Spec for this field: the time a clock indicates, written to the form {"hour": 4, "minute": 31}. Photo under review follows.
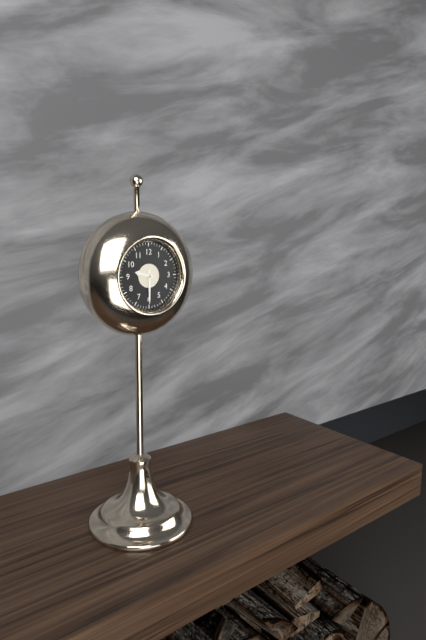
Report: {"hour": 9, "minute": 30}
